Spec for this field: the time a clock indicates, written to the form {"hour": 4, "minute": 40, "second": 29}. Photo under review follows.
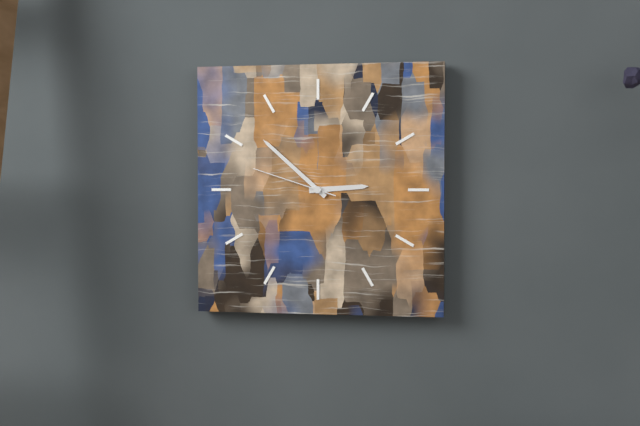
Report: {"hour": 2, "minute": 52, "second": 48}
